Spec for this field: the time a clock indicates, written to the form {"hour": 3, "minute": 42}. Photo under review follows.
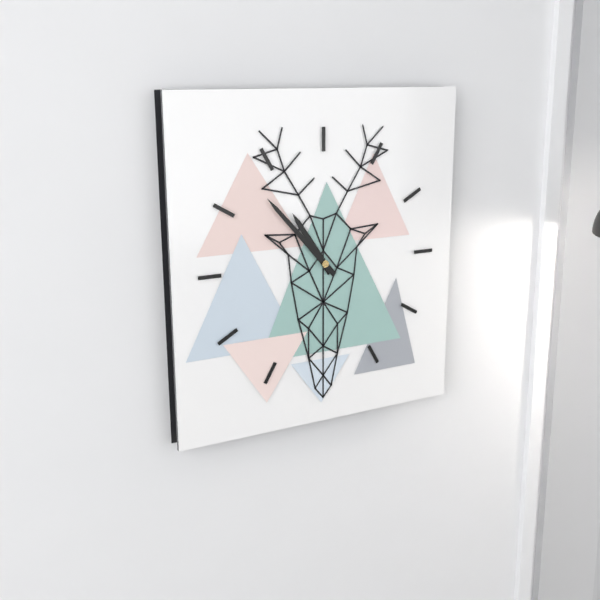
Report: {"hour": 10, "minute": 53}
